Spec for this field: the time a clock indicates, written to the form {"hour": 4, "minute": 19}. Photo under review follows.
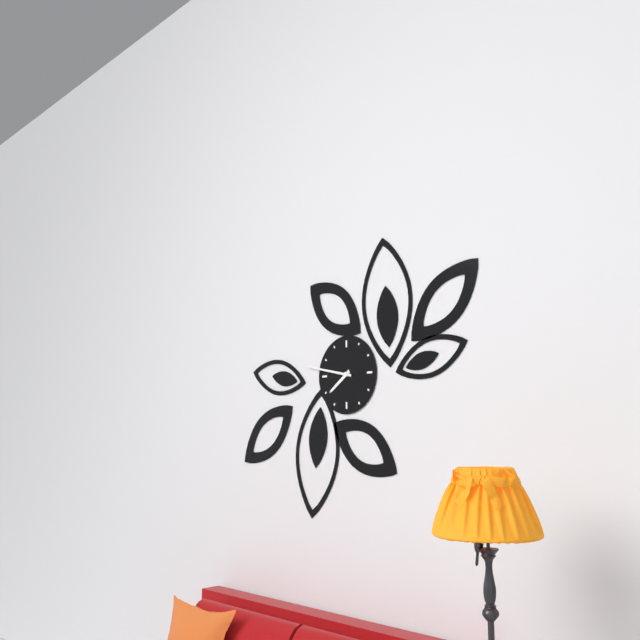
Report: {"hour": 7, "minute": 47}
